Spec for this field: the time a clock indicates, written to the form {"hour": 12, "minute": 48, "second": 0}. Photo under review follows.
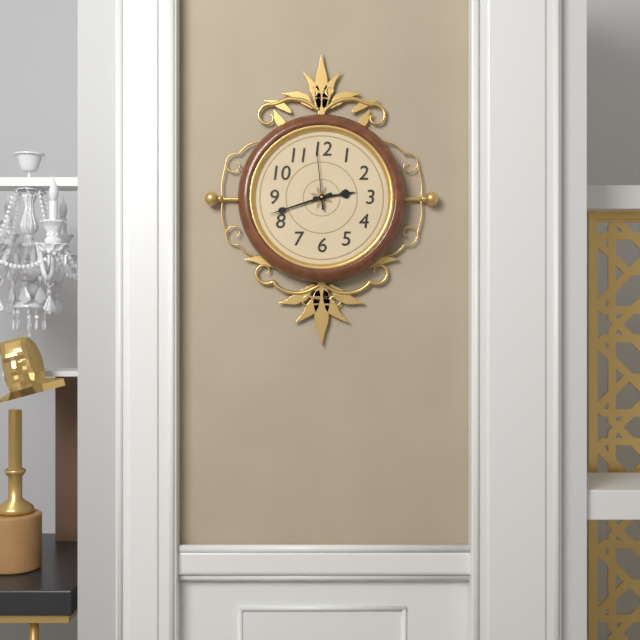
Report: {"hour": 2, "minute": 42, "second": 59}
